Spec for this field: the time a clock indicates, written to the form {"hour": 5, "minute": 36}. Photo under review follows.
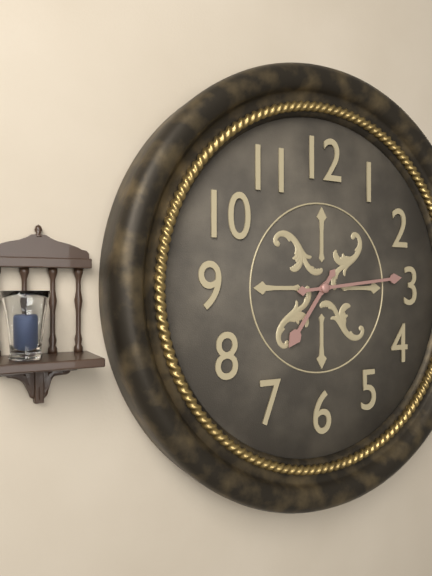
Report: {"hour": 7, "minute": 14}
